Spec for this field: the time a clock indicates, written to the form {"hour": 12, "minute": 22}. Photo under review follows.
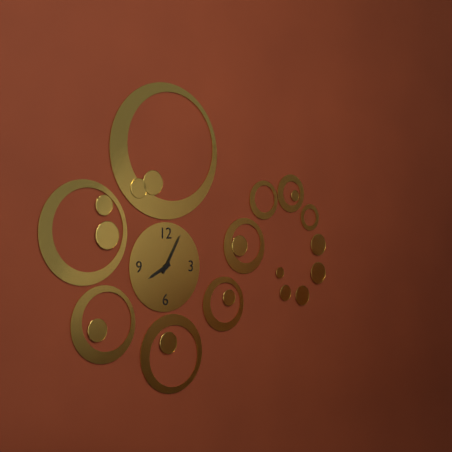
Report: {"hour": 8, "minute": 5}
